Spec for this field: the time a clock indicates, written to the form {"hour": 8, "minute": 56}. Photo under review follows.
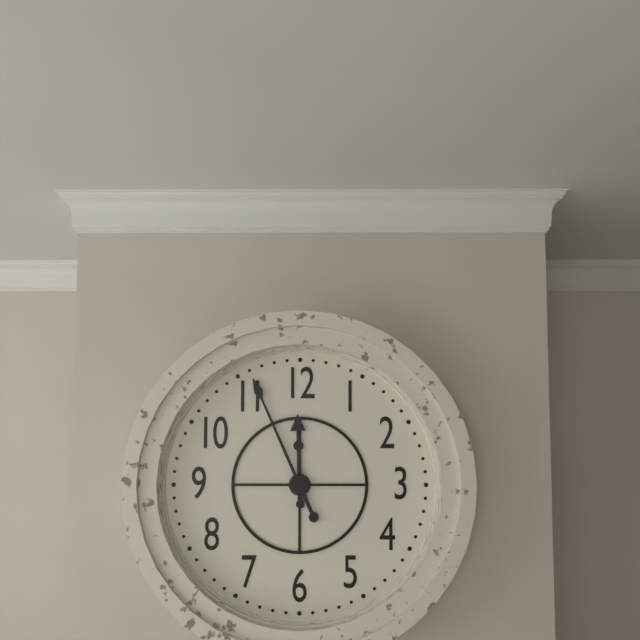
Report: {"hour": 11, "minute": 56}
